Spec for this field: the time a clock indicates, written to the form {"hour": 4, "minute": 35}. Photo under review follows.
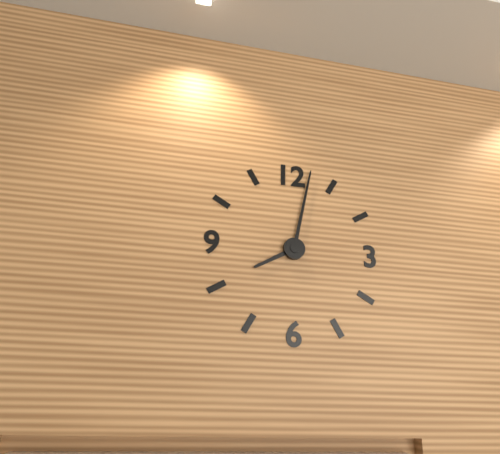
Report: {"hour": 8, "minute": 2}
